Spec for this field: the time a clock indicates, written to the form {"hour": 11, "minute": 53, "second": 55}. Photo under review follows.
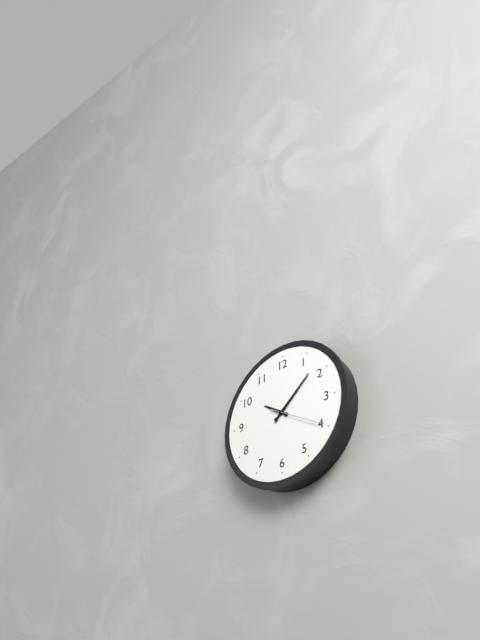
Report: {"hour": 10, "minute": 8, "second": 20}
